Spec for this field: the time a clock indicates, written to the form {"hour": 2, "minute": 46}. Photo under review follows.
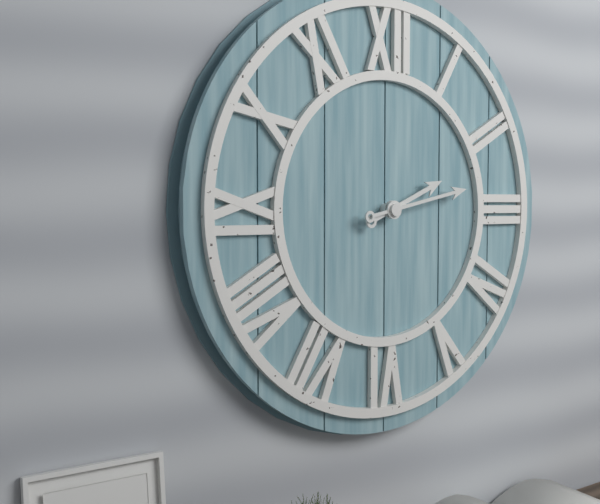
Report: {"hour": 2, "minute": 13}
